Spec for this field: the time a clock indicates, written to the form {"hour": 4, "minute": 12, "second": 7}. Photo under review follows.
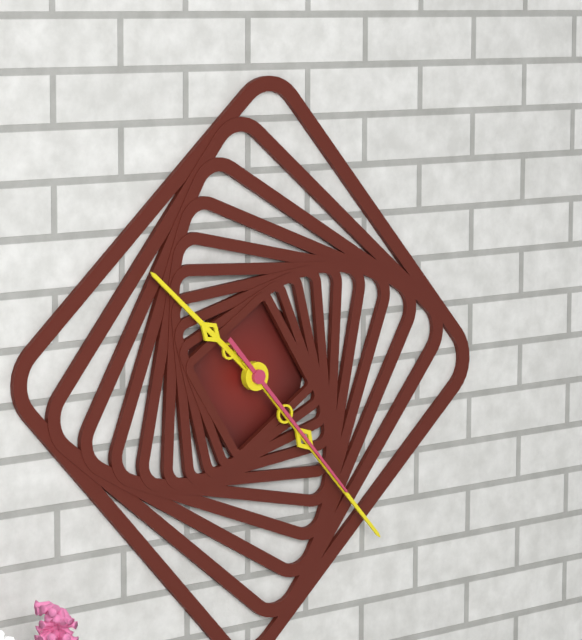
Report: {"hour": 10, "minute": 23, "second": 23}
